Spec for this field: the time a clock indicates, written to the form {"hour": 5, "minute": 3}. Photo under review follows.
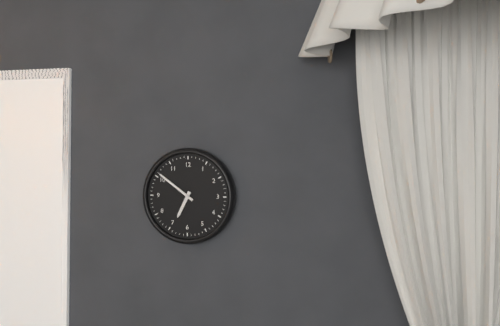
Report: {"hour": 6, "minute": 51}
